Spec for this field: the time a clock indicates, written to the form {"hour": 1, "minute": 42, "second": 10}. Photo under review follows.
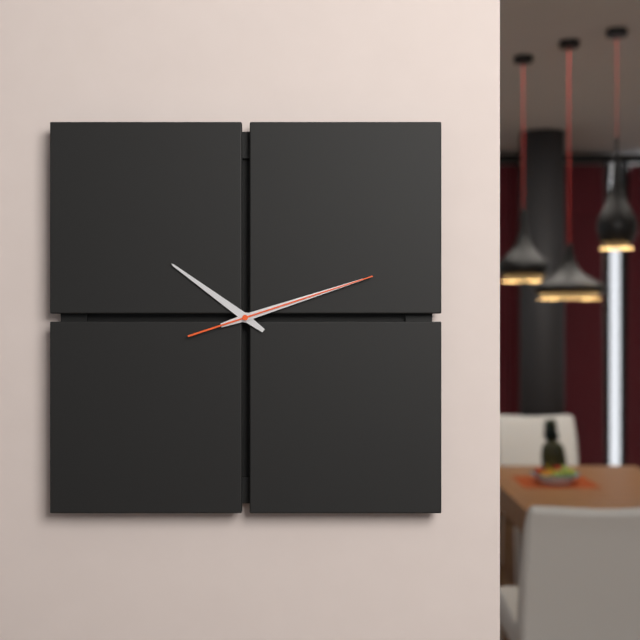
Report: {"hour": 10, "minute": 12, "second": 12}
